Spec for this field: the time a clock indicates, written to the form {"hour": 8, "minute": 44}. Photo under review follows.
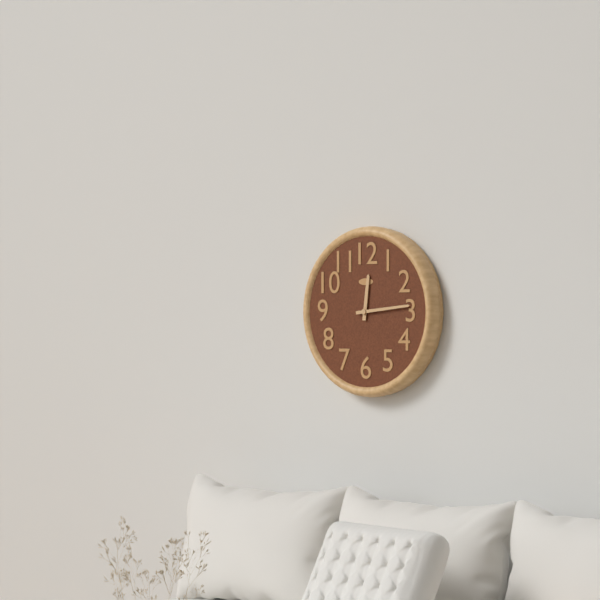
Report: {"hour": 12, "minute": 14}
